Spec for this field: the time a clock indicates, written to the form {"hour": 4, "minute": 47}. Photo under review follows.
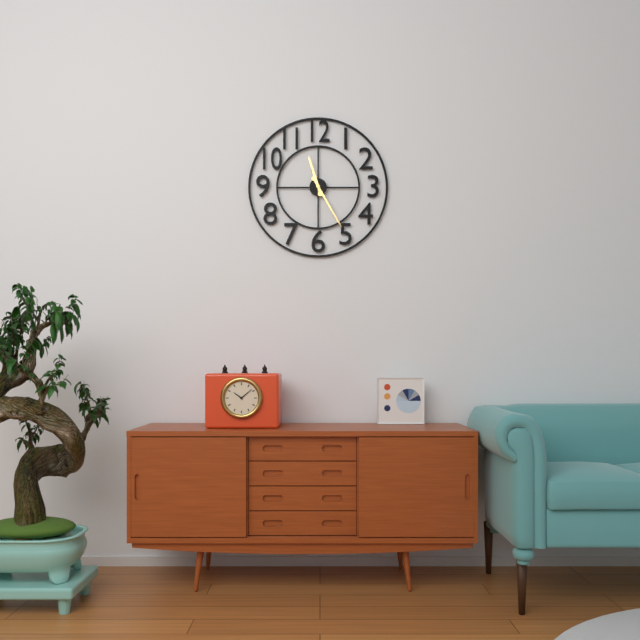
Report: {"hour": 11, "minute": 25}
